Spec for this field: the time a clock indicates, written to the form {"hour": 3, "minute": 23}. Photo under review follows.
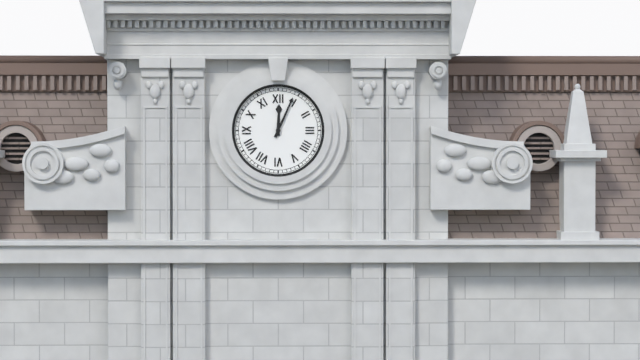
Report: {"hour": 12, "minute": 4}
